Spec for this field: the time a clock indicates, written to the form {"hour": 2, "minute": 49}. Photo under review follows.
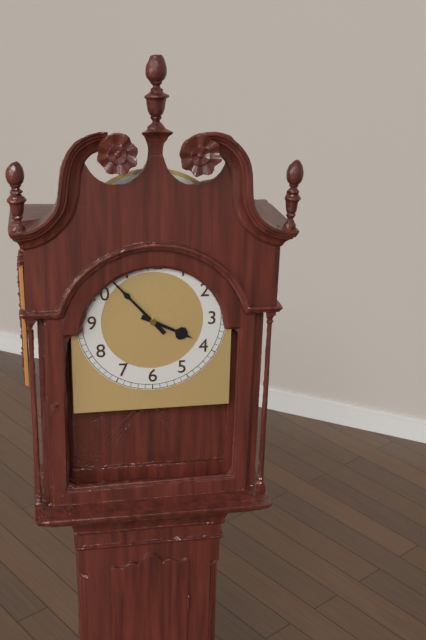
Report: {"hour": 3, "minute": 53}
